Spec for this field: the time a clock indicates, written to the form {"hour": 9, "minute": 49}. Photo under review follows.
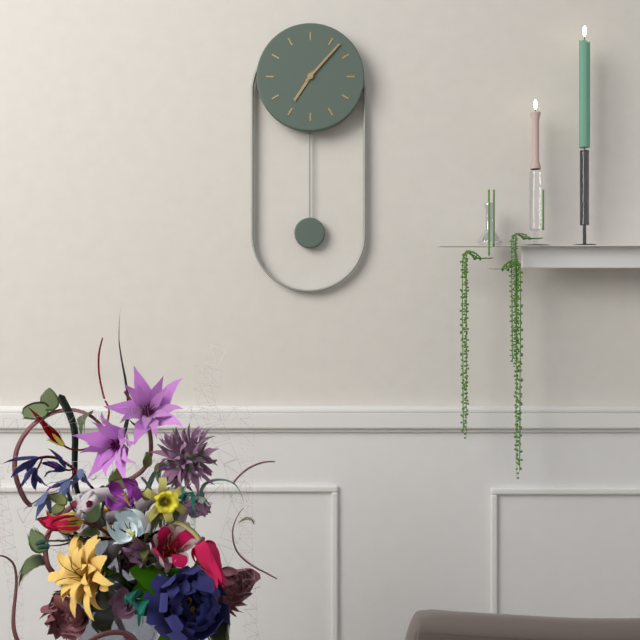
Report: {"hour": 7, "minute": 7}
